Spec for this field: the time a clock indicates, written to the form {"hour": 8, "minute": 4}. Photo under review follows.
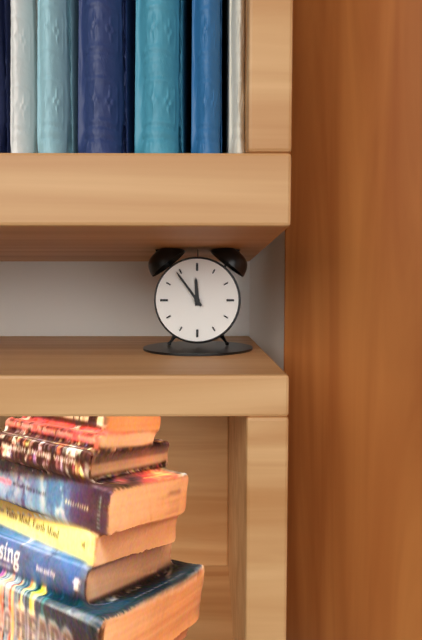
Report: {"hour": 11, "minute": 54}
